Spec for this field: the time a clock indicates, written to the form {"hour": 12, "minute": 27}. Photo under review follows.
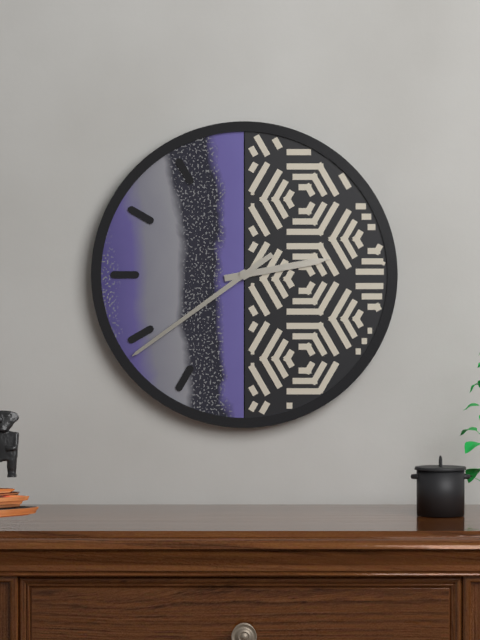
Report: {"hour": 2, "minute": 39}
